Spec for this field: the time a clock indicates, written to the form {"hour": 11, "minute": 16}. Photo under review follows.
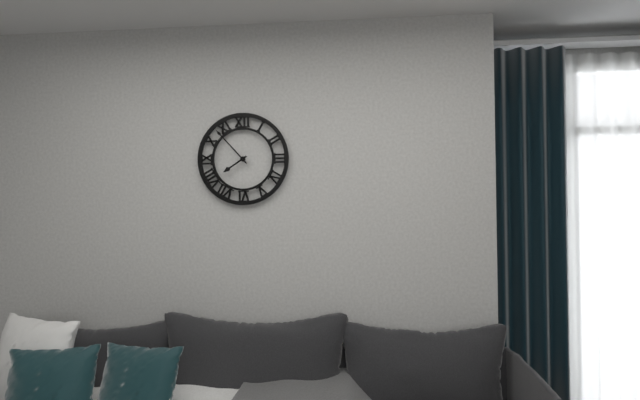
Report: {"hour": 7, "minute": 53}
